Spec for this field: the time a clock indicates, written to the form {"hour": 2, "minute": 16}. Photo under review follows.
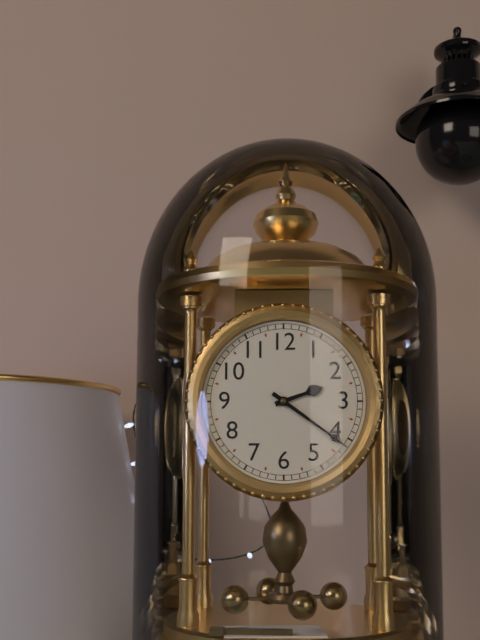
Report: {"hour": 2, "minute": 21}
